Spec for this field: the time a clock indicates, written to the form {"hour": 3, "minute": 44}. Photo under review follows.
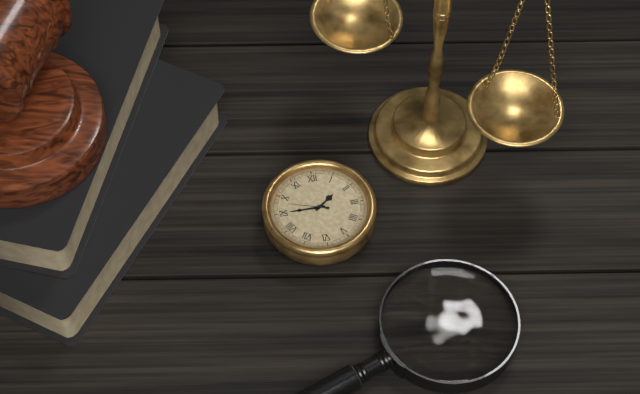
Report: {"hour": 1, "minute": 45}
